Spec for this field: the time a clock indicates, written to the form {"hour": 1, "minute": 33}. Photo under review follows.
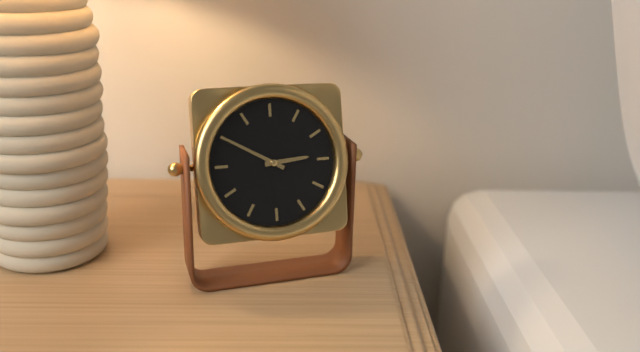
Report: {"hour": 2, "minute": 50}
